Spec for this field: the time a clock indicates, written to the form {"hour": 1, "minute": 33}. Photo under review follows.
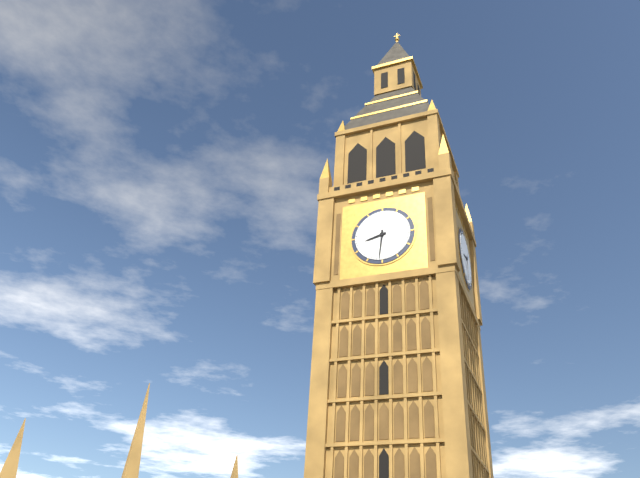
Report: {"hour": 8, "minute": 31}
